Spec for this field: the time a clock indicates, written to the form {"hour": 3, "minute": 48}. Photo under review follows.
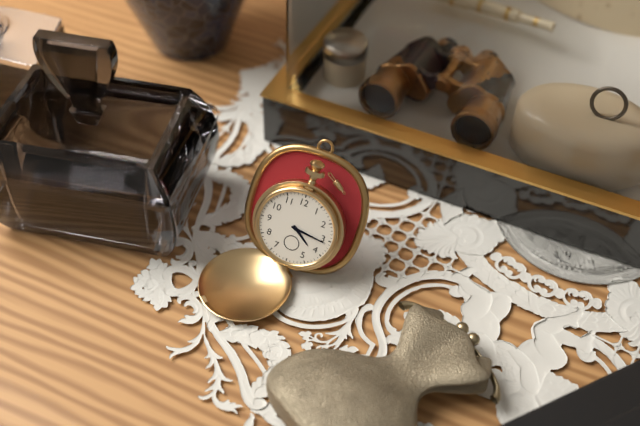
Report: {"hour": 4, "minute": 16}
